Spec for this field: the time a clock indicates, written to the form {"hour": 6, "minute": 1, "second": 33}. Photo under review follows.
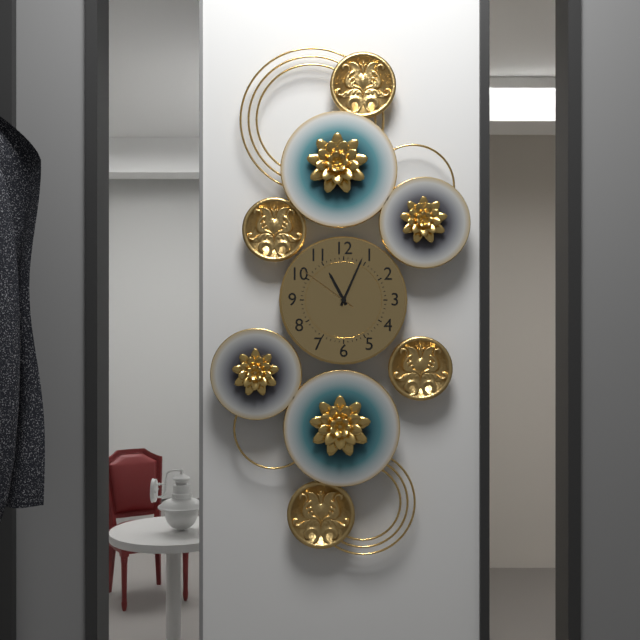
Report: {"hour": 11, "minute": 4, "second": 51}
